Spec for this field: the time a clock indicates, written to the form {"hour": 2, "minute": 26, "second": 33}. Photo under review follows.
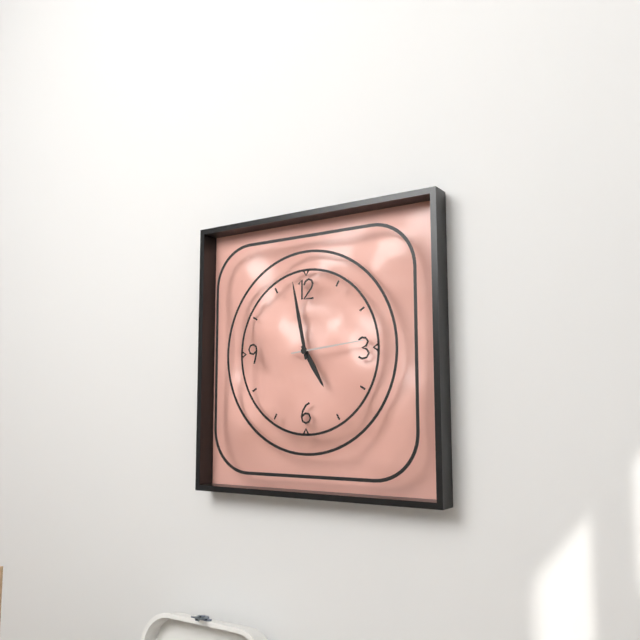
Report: {"hour": 4, "minute": 58, "second": 14}
